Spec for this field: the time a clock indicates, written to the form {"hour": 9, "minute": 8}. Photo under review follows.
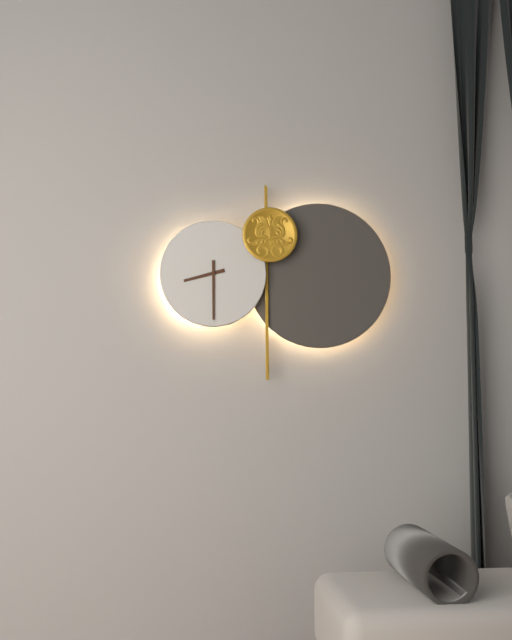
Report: {"hour": 8, "minute": 30}
